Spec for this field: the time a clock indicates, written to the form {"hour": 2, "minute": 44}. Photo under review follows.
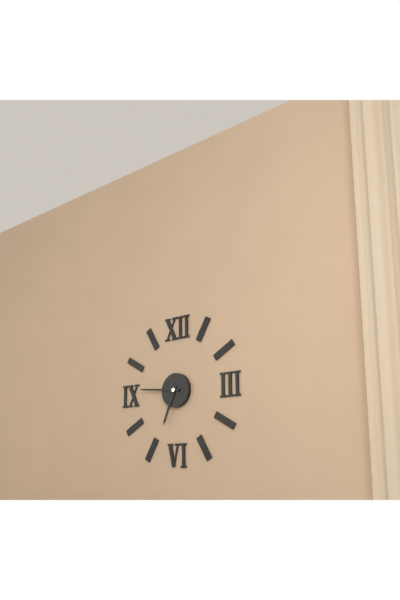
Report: {"hour": 6, "minute": 46}
